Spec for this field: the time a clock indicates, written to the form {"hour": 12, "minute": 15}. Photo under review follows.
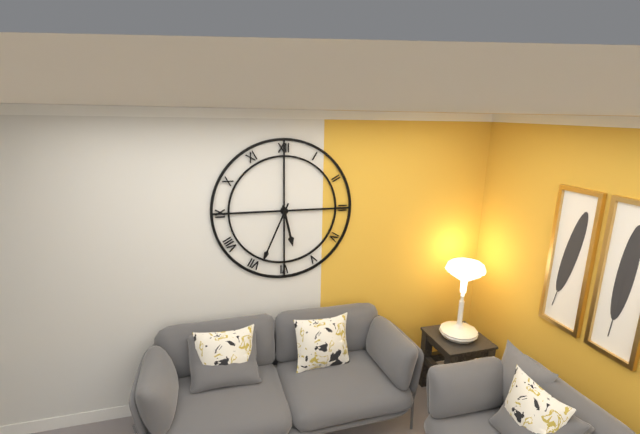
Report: {"hour": 5, "minute": 34}
